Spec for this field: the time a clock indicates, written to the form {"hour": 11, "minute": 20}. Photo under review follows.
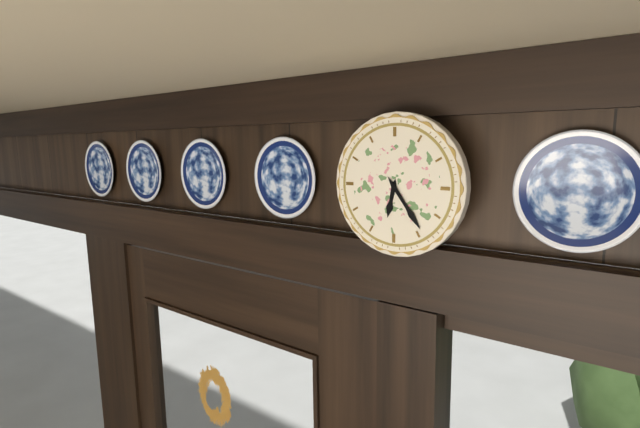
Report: {"hour": 6, "minute": 24}
